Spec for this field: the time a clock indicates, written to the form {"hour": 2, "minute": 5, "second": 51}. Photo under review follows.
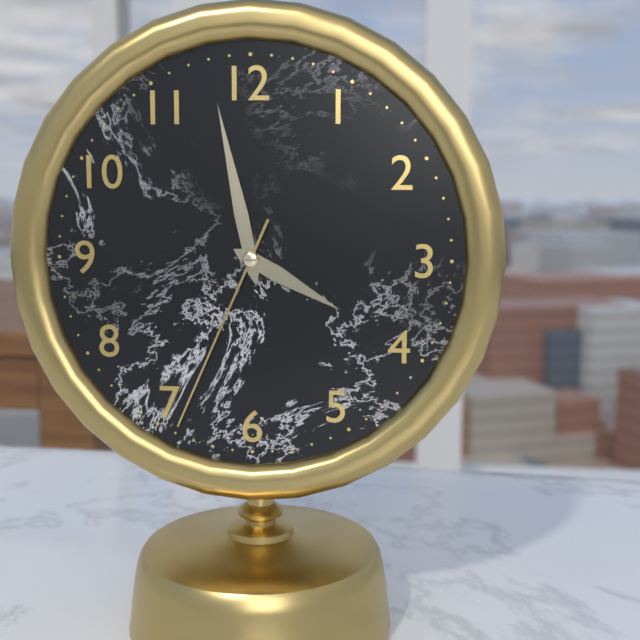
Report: {"hour": 3, "minute": 58, "second": 34}
